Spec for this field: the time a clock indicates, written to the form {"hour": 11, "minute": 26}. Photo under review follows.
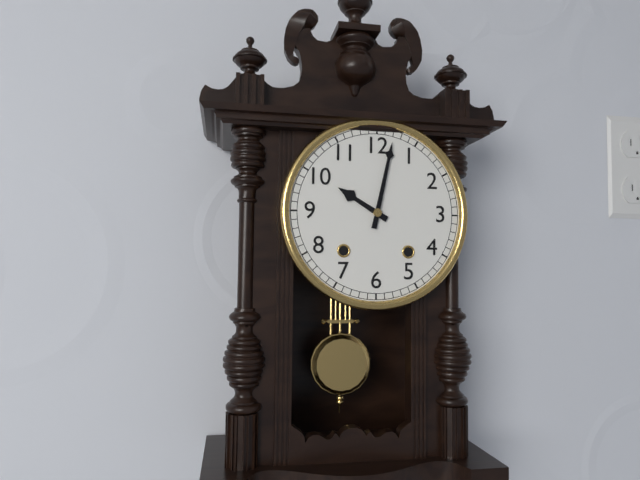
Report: {"hour": 10, "minute": 2}
